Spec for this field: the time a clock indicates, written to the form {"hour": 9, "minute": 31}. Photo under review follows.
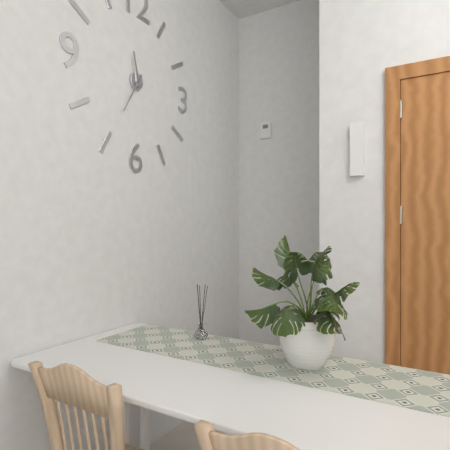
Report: {"hour": 11, "minute": 35}
